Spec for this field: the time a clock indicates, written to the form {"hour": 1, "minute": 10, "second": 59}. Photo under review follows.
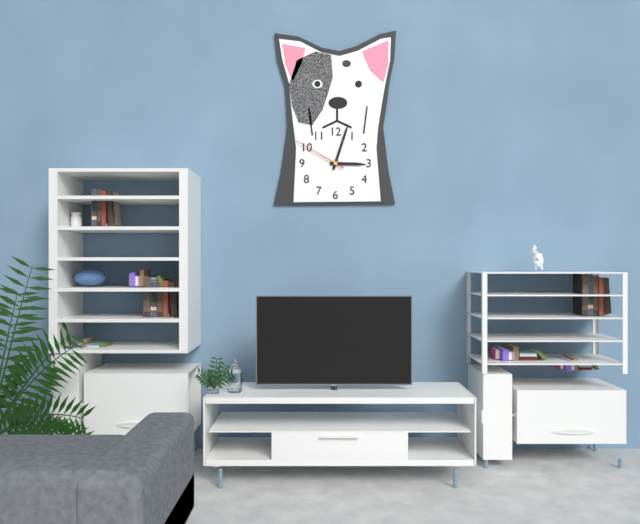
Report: {"hour": 3, "minute": 3, "second": 50}
